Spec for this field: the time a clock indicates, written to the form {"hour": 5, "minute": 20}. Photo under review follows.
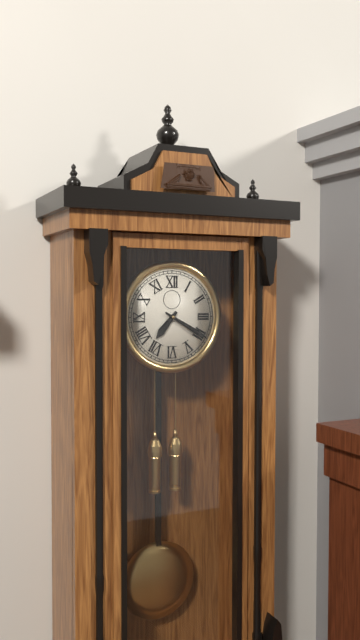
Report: {"hour": 7, "minute": 20}
